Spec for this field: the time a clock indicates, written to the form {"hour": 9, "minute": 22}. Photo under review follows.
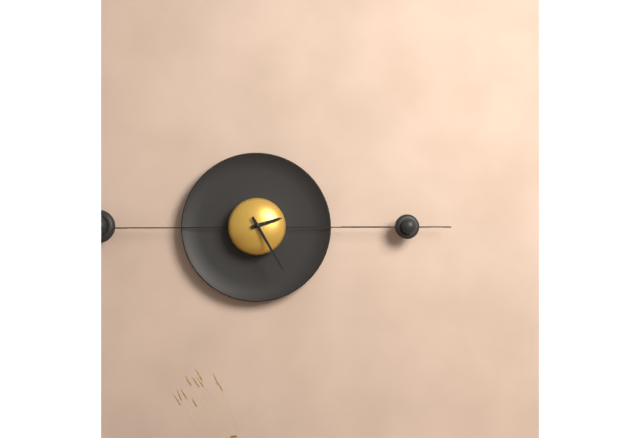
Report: {"hour": 2, "minute": 25}
